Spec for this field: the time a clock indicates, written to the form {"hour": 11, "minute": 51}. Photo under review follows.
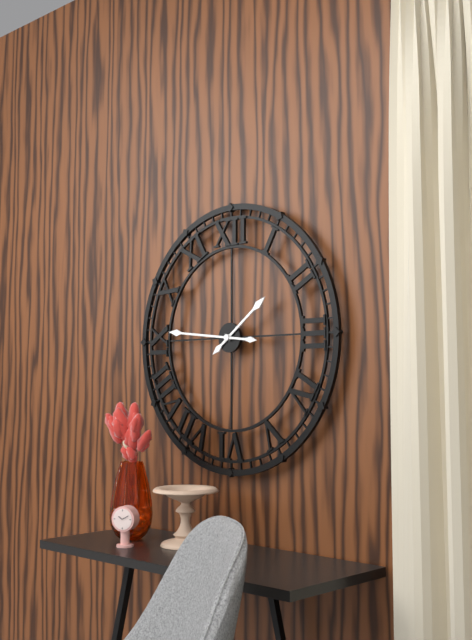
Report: {"hour": 1, "minute": 46}
